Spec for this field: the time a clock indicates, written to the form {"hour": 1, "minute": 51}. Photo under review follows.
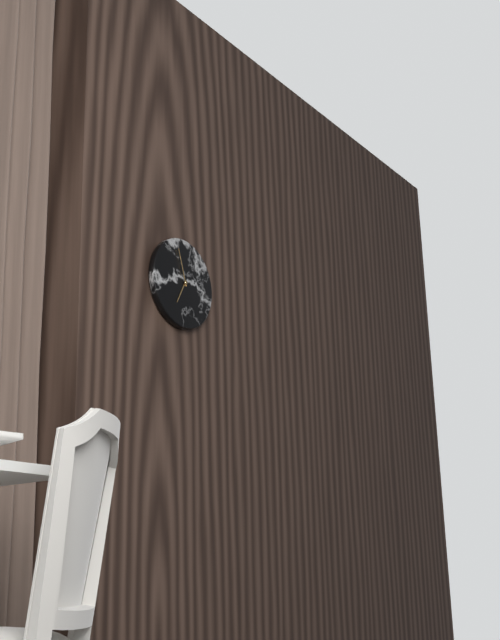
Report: {"hour": 6, "minute": 57}
